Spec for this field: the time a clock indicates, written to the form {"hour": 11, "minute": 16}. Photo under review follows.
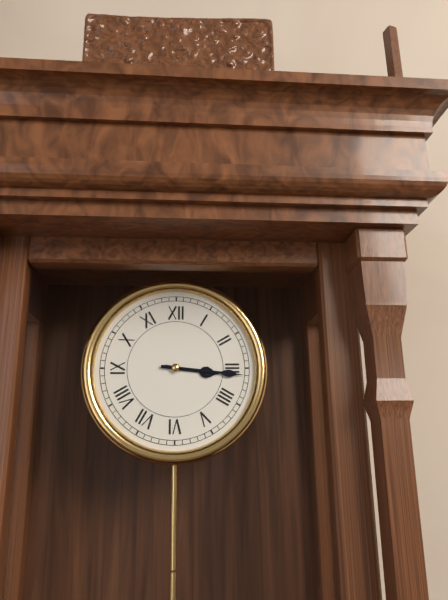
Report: {"hour": 3, "minute": 16}
